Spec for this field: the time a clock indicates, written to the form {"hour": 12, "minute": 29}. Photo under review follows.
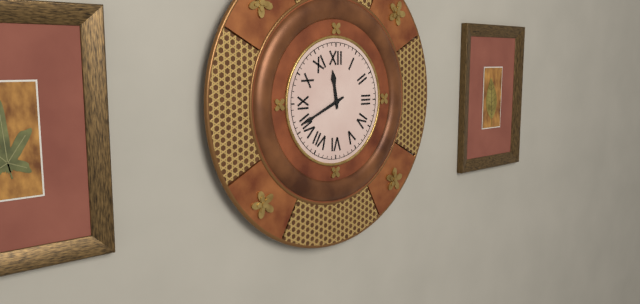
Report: {"hour": 11, "minute": 41}
